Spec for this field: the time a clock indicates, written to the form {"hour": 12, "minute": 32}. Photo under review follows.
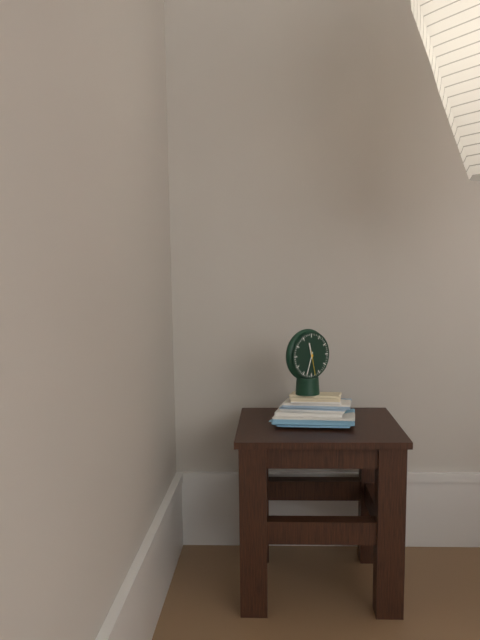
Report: {"hour": 11, "minute": 33}
